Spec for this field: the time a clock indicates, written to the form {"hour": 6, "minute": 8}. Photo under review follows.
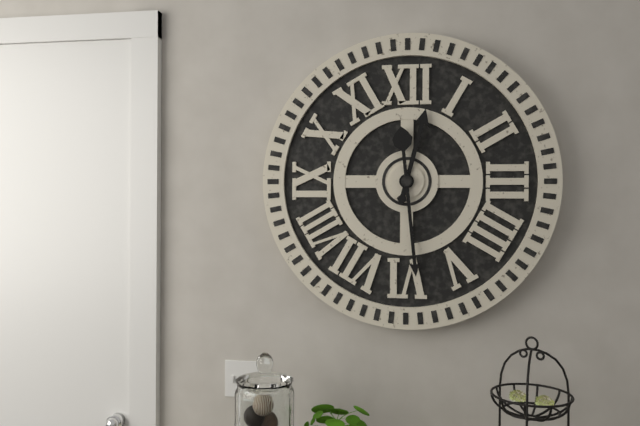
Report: {"hour": 12, "minute": 29}
